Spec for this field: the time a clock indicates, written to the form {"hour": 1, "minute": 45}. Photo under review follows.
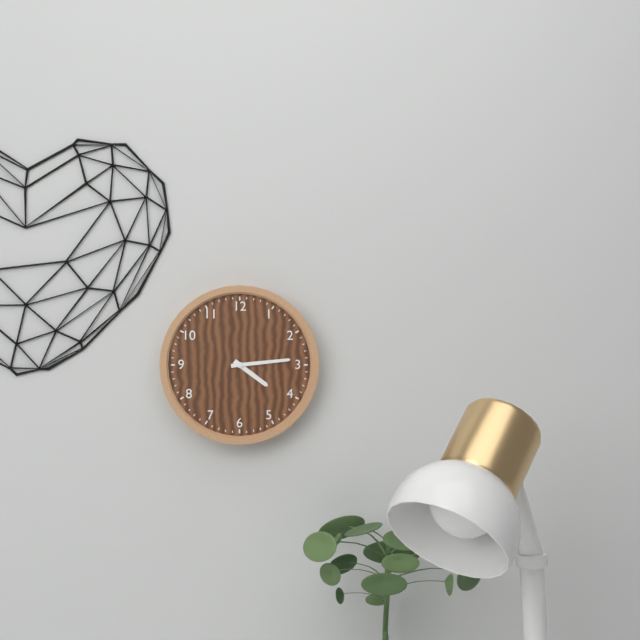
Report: {"hour": 4, "minute": 14}
